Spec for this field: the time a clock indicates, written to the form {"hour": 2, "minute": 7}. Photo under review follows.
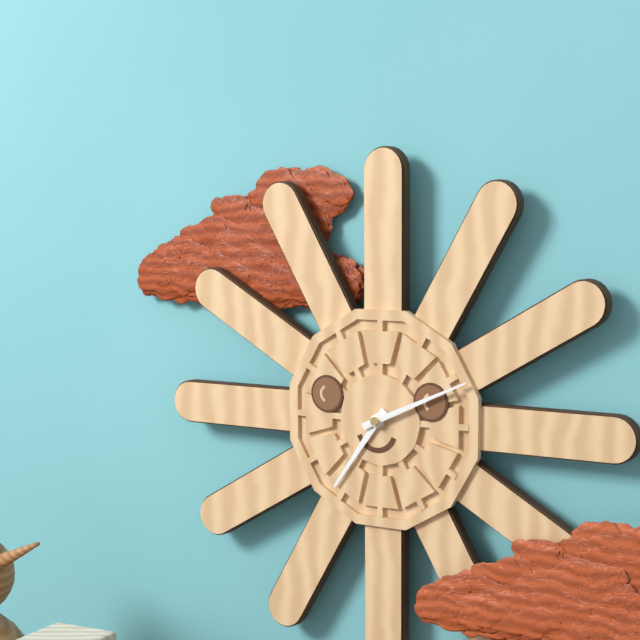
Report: {"hour": 7, "minute": 11}
